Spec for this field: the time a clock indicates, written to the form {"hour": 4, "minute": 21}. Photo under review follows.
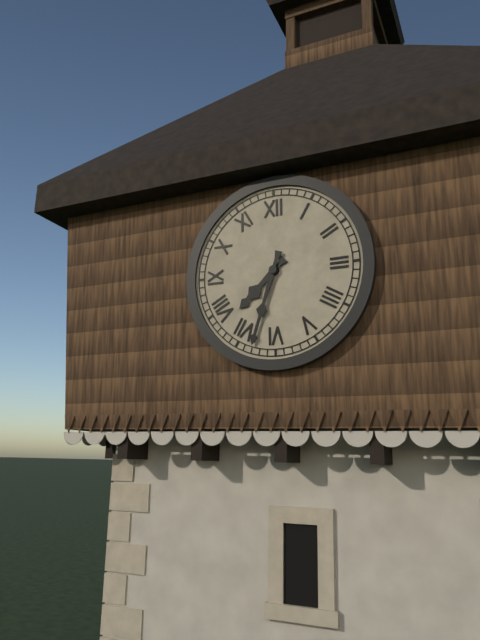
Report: {"hour": 7, "minute": 33}
